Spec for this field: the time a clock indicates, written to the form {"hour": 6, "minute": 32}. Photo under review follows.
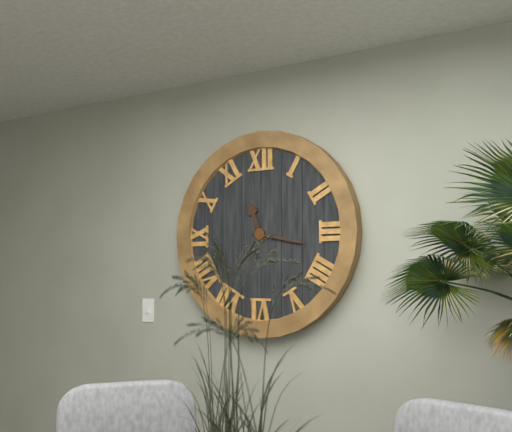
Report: {"hour": 11, "minute": 17}
